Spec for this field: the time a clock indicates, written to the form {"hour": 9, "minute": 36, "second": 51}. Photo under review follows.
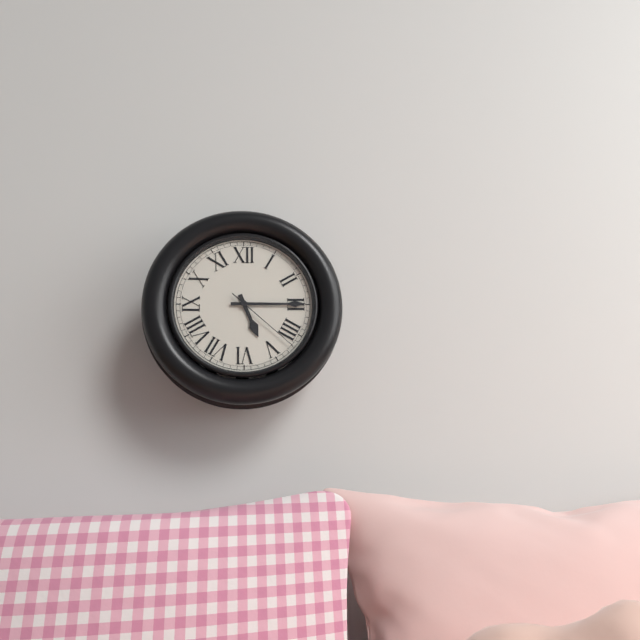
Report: {"hour": 5, "minute": 15, "second": 22}
